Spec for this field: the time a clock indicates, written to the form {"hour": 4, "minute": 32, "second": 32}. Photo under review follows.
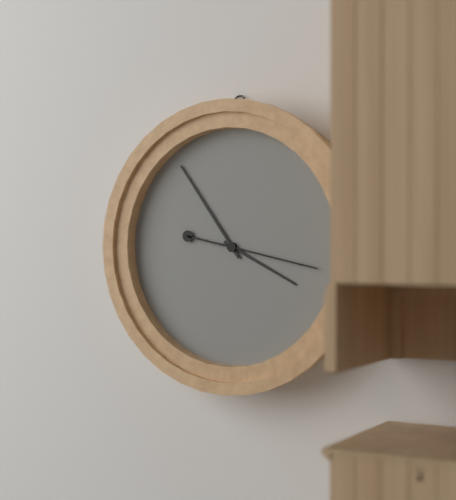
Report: {"hour": 3, "minute": 54, "second": 17}
